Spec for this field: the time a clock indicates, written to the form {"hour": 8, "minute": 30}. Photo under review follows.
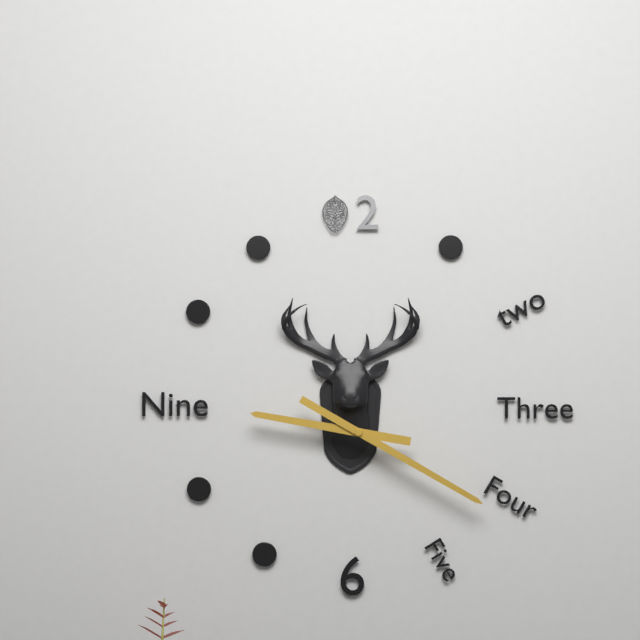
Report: {"hour": 9, "minute": 20}
